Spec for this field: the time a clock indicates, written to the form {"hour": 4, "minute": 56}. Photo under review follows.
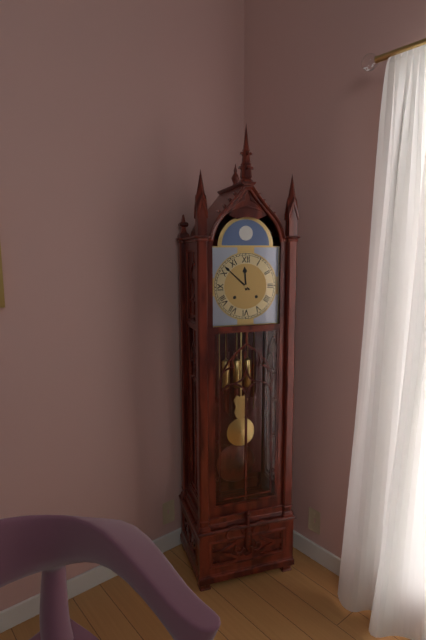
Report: {"hour": 11, "minute": 52}
